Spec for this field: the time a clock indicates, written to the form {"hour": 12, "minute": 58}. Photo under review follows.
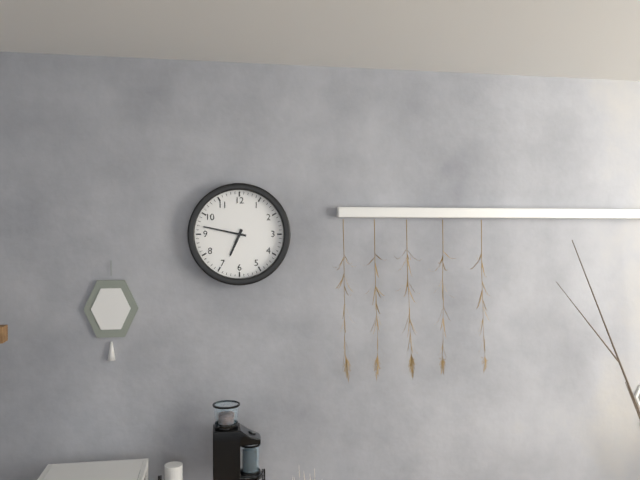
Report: {"hour": 6, "minute": 47}
